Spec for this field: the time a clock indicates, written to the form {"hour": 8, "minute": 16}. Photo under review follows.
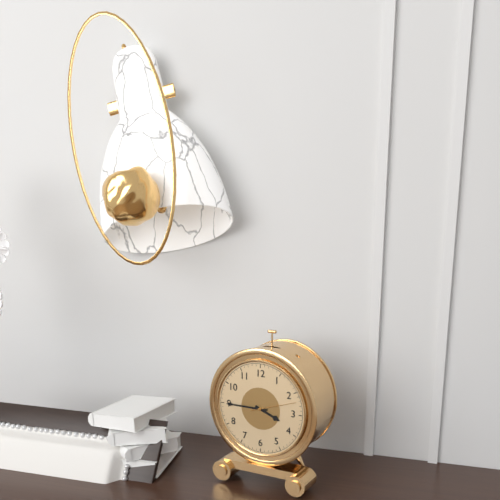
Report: {"hour": 3, "minute": 45}
